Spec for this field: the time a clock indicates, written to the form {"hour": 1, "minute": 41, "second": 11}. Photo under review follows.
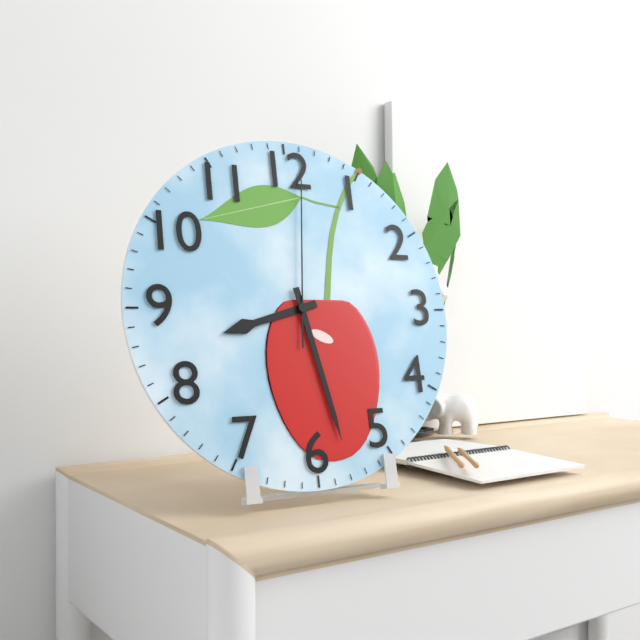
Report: {"hour": 8, "minute": 28, "second": 1}
